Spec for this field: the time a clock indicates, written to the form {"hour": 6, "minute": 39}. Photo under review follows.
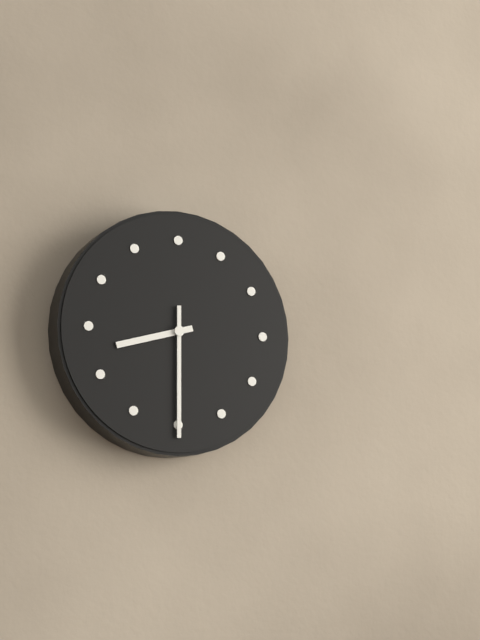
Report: {"hour": 8, "minute": 30}
